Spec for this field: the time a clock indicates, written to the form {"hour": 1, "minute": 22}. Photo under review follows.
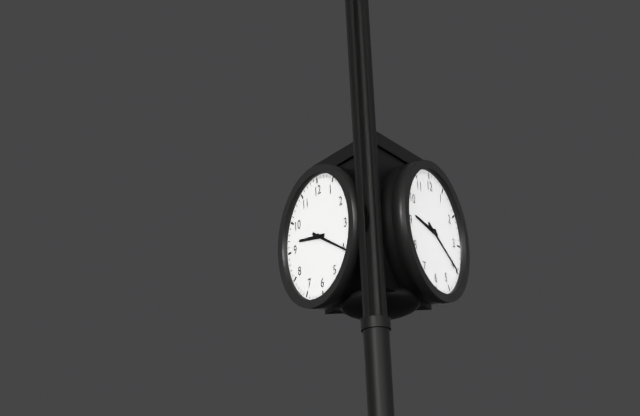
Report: {"hour": 9, "minute": 20}
